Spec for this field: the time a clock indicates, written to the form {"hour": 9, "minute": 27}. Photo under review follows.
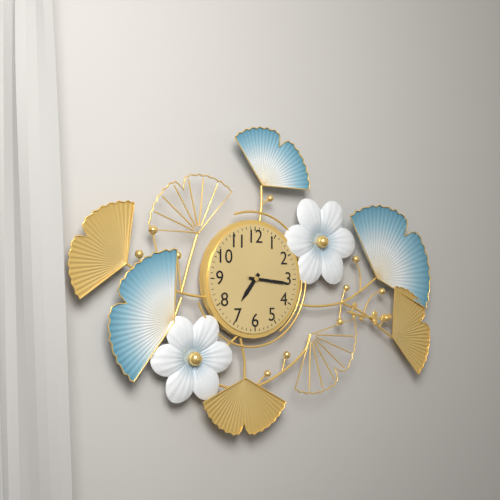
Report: {"hour": 7, "minute": 16}
